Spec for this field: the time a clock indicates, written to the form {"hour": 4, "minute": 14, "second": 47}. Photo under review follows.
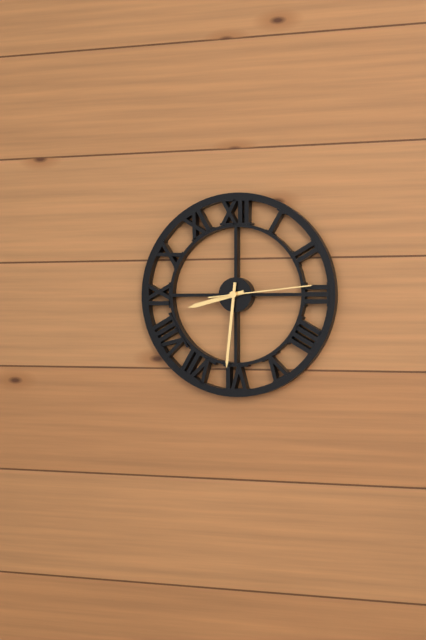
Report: {"hour": 8, "minute": 31, "second": 14}
